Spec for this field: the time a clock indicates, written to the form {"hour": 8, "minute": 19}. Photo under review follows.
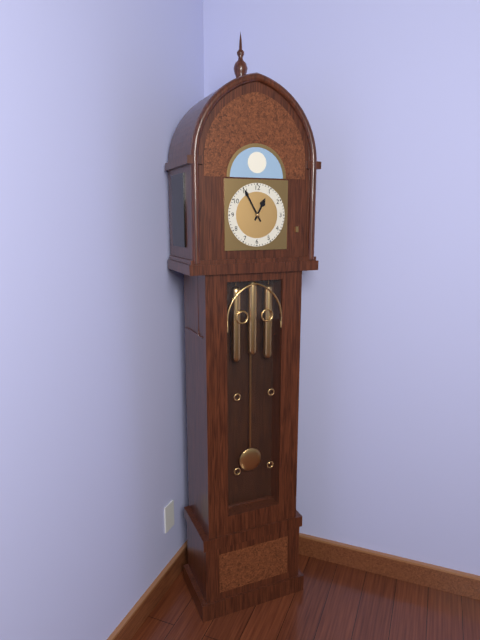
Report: {"hour": 12, "minute": 55}
